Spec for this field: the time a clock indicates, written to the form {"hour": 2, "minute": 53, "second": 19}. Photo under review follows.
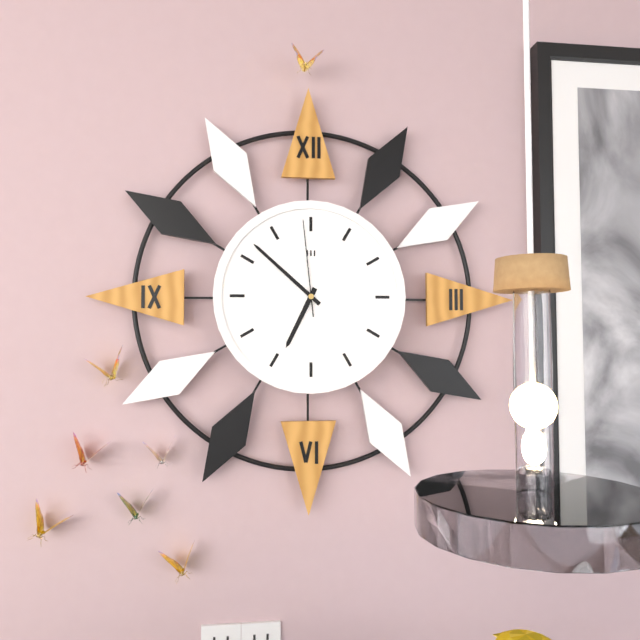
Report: {"hour": 6, "minute": 52, "second": 59}
